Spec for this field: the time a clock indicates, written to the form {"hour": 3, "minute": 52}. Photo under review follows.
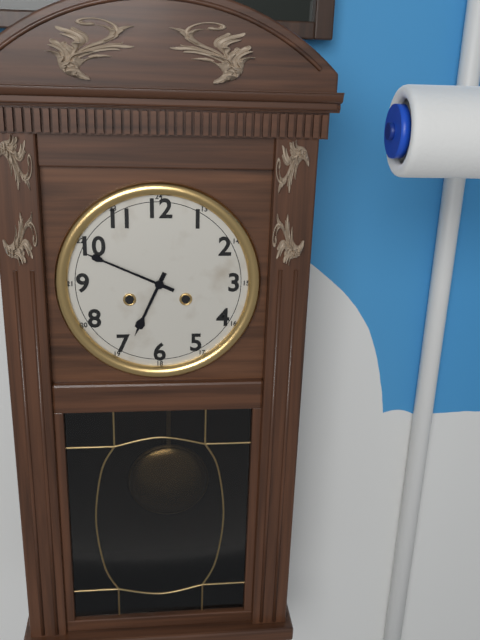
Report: {"hour": 6, "minute": 49}
